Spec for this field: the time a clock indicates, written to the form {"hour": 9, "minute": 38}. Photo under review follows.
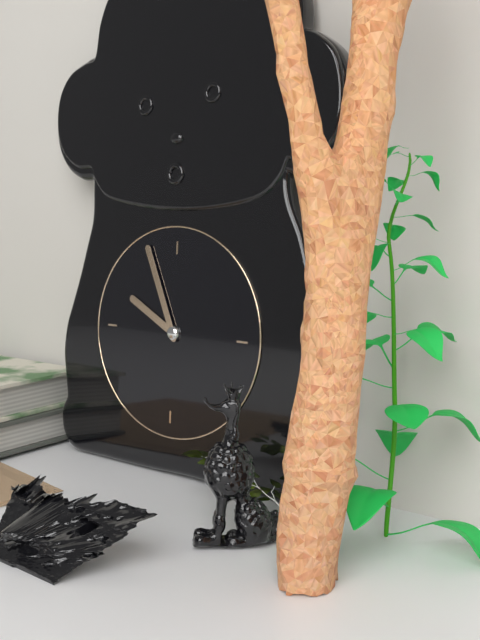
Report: {"hour": 9, "minute": 56}
